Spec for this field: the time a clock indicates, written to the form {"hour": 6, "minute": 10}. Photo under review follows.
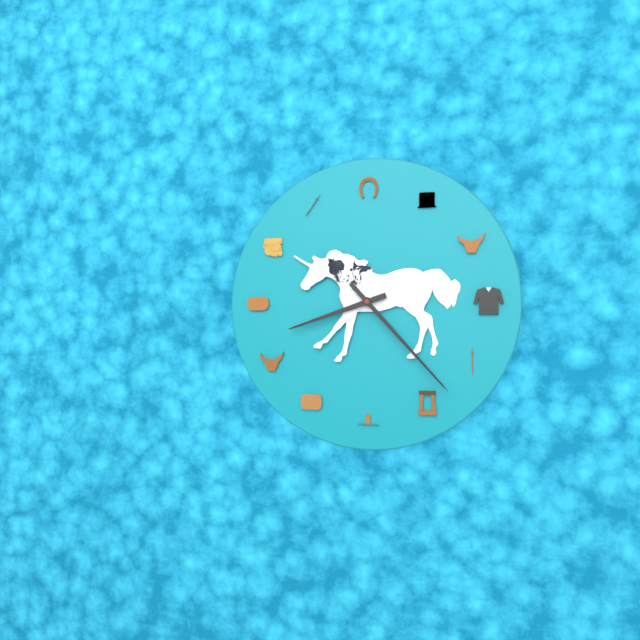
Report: {"hour": 8, "minute": 23}
